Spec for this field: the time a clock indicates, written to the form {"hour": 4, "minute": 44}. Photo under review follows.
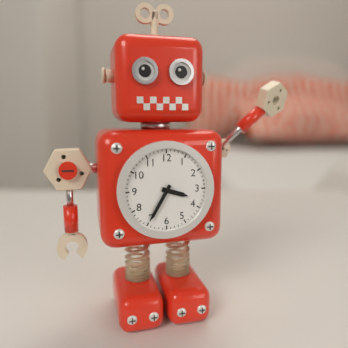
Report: {"hour": 3, "minute": 35}
